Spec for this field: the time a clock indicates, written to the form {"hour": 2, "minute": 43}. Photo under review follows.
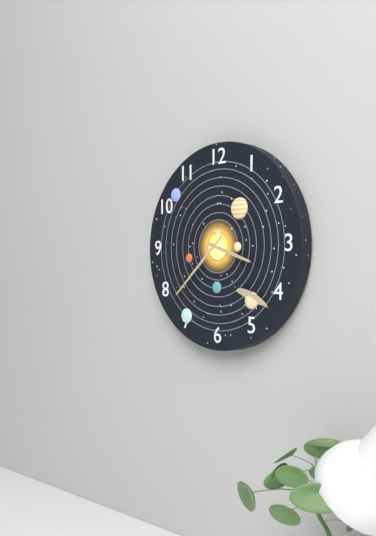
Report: {"hour": 3, "minute": 38}
